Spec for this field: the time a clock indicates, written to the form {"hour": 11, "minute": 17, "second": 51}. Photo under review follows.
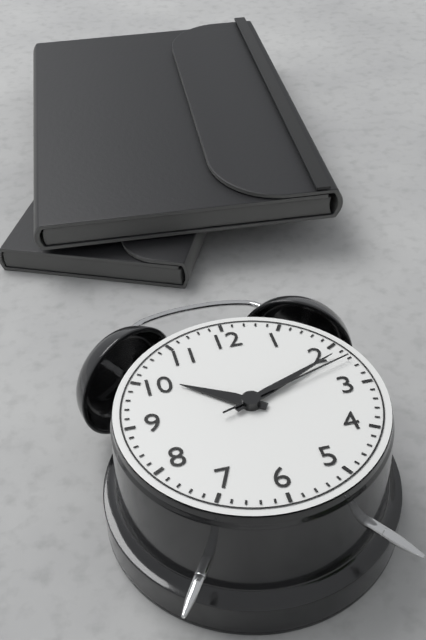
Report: {"hour": 10, "minute": 11, "second": 12}
